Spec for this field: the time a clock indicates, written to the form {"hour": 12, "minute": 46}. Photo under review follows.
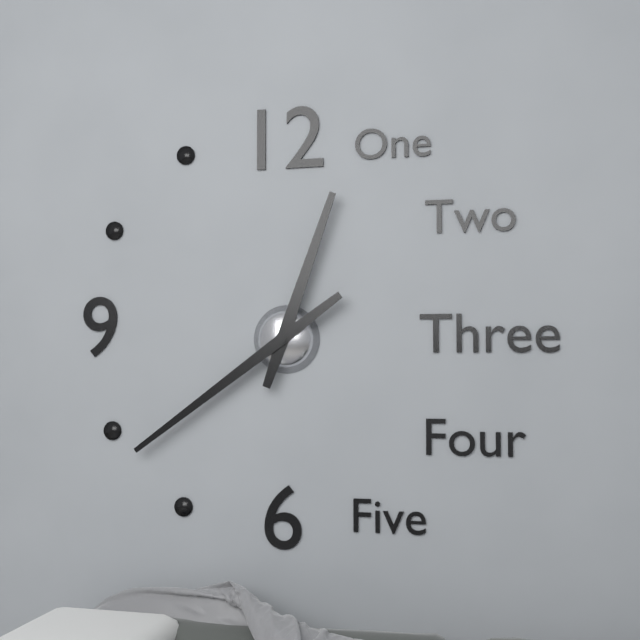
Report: {"hour": 12, "minute": 39}
